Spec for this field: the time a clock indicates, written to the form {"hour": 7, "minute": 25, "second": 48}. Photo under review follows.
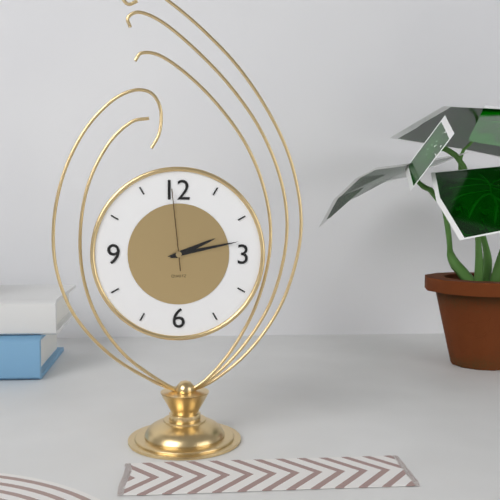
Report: {"hour": 2, "minute": 13, "second": 59}
